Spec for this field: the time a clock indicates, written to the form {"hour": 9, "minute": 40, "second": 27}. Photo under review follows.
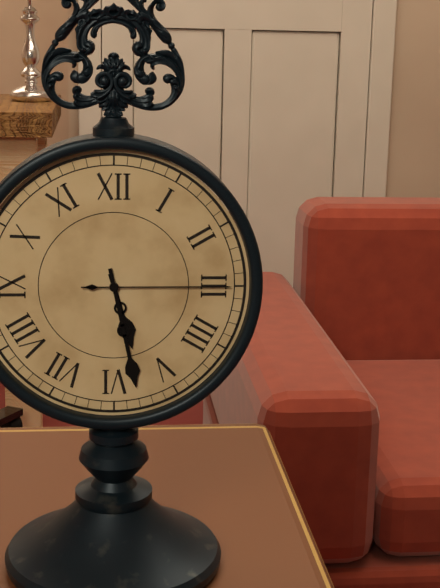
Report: {"hour": 5, "minute": 28, "second": 15}
